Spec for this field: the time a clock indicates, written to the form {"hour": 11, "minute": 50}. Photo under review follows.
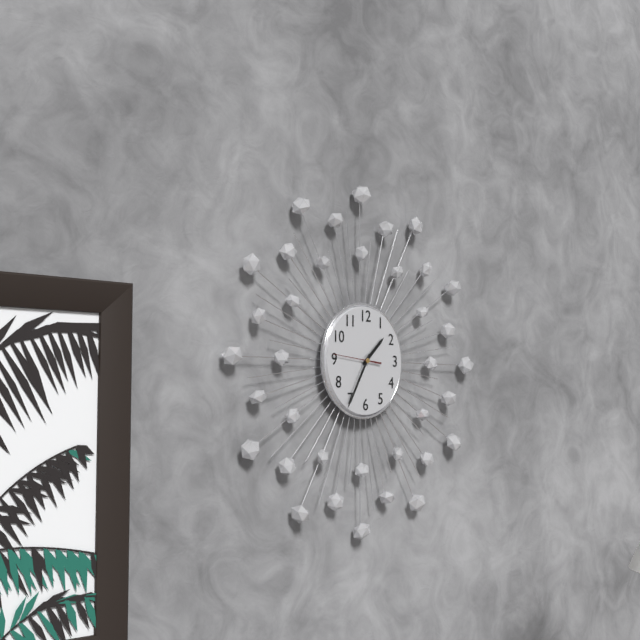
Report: {"hour": 1, "minute": 35}
